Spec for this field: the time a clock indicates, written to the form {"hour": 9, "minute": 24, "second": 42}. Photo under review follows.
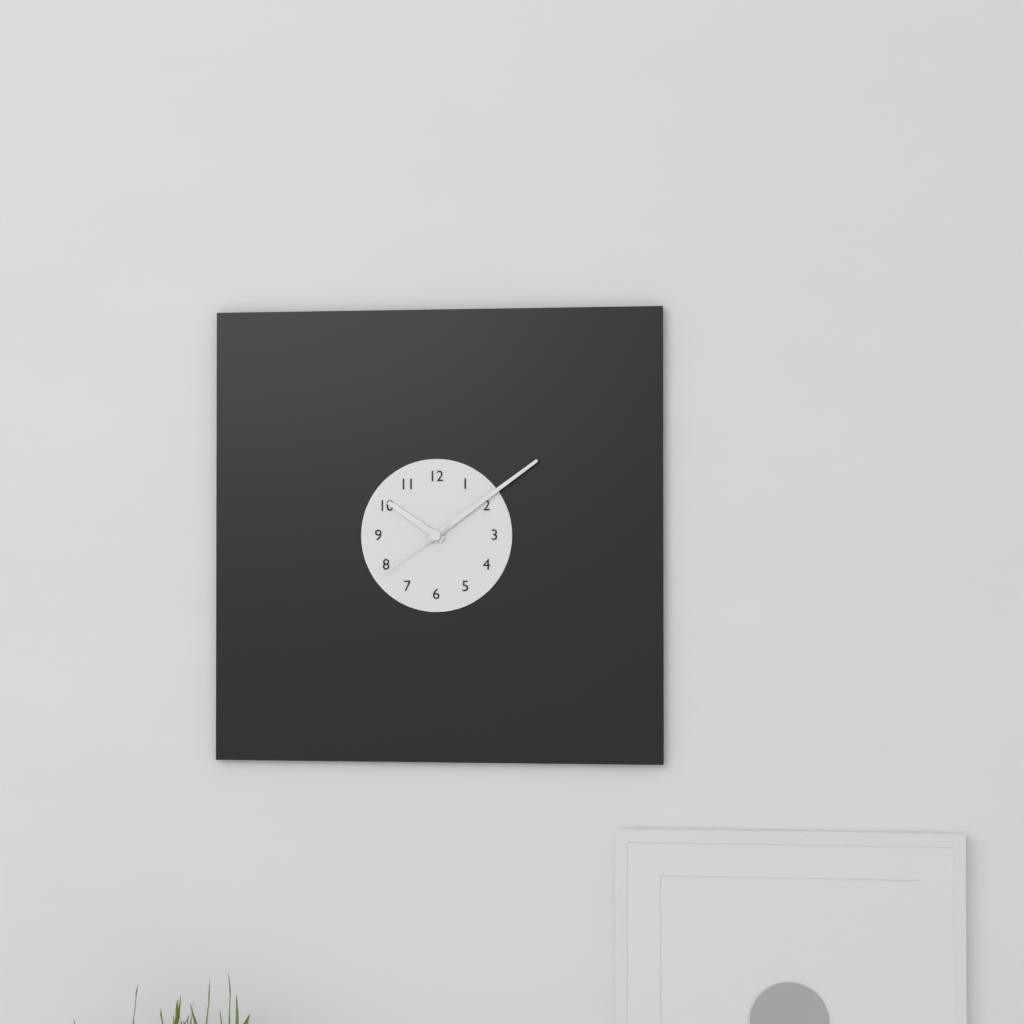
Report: {"hour": 10, "minute": 9, "second": 39}
